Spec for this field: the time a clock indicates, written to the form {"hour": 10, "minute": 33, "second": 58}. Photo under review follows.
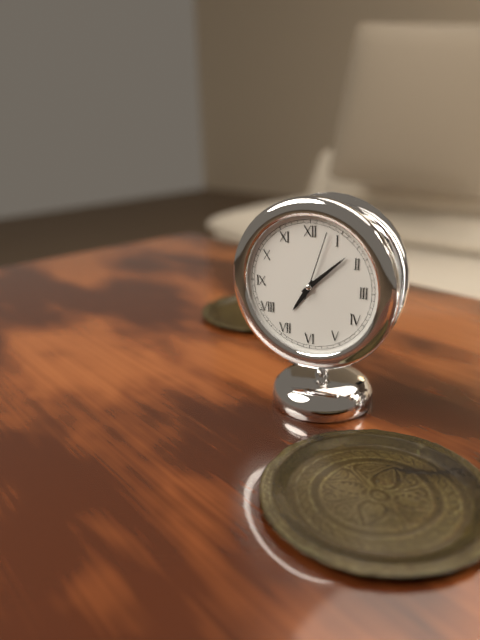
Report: {"hour": 7, "minute": 8, "second": 3}
